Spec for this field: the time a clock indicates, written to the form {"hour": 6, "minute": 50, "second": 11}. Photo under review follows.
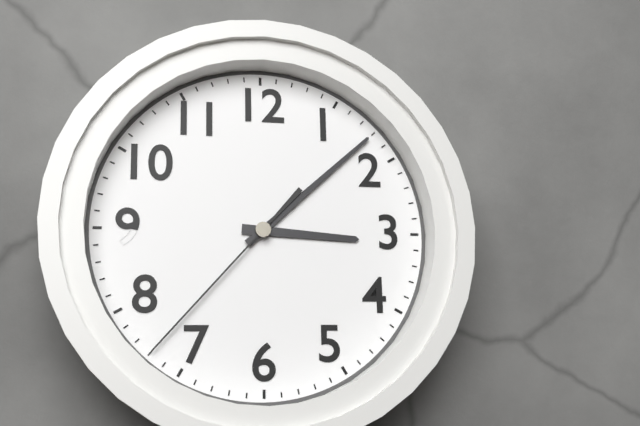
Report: {"hour": 3, "minute": 8, "second": 37}
